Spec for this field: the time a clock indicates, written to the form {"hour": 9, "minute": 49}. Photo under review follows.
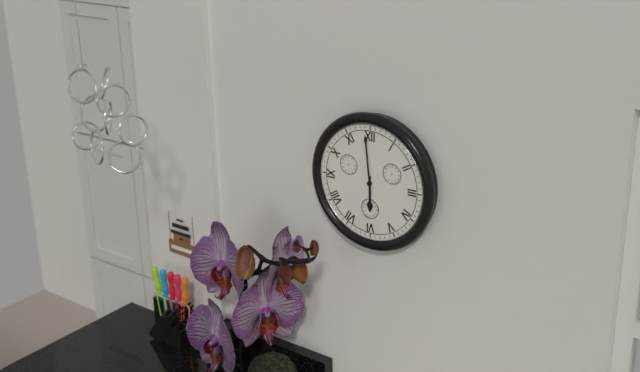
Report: {"hour": 5, "minute": 59}
